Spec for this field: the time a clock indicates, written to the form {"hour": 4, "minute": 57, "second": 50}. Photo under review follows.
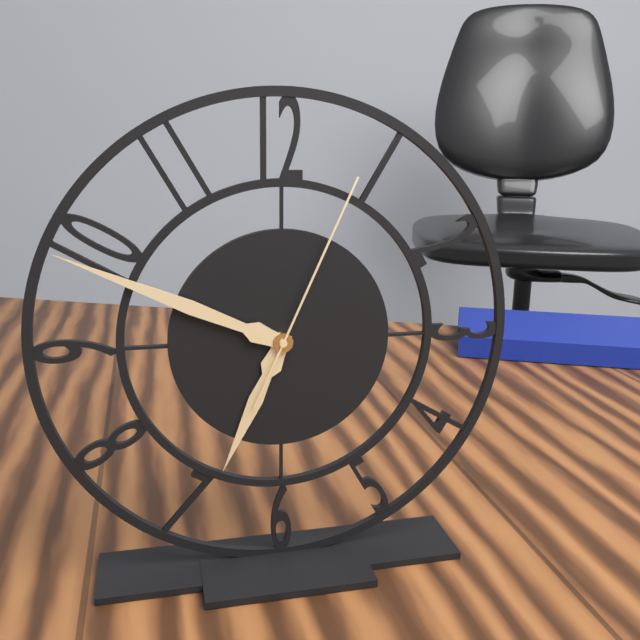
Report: {"hour": 6, "minute": 49, "second": 4}
